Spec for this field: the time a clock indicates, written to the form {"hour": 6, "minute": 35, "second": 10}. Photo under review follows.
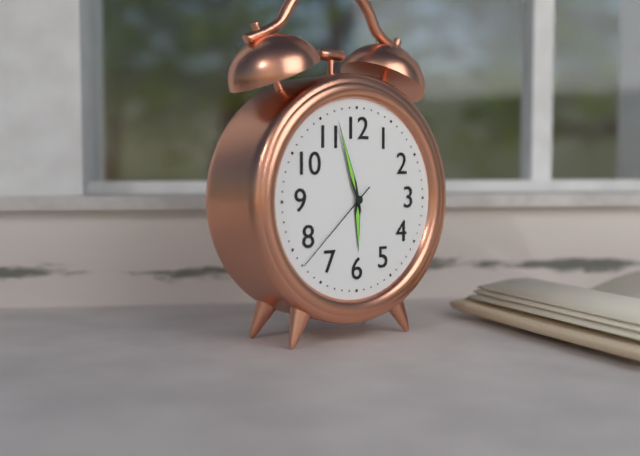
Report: {"hour": 5, "minute": 57, "second": 38}
